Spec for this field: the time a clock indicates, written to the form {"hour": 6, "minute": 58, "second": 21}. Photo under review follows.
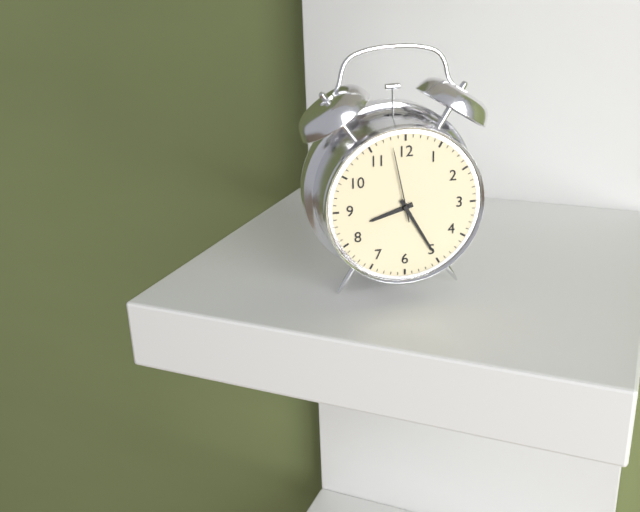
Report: {"hour": 8, "minute": 25, "second": 58}
